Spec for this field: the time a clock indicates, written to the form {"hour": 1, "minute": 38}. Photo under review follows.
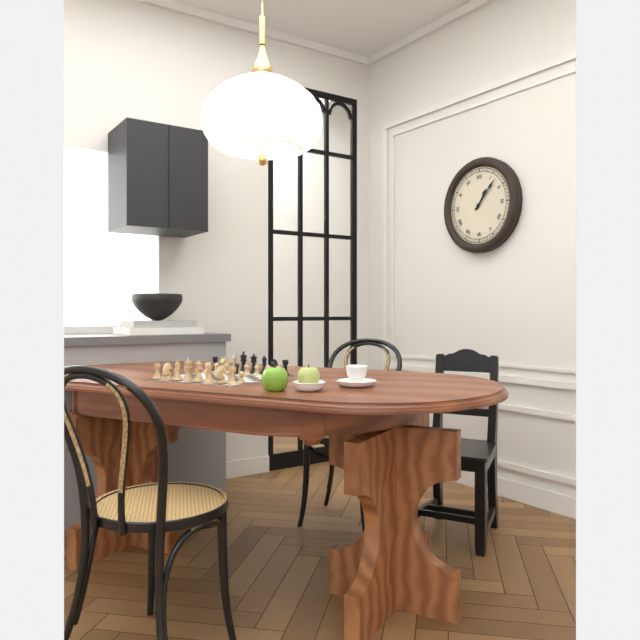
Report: {"hour": 1, "minute": 7}
